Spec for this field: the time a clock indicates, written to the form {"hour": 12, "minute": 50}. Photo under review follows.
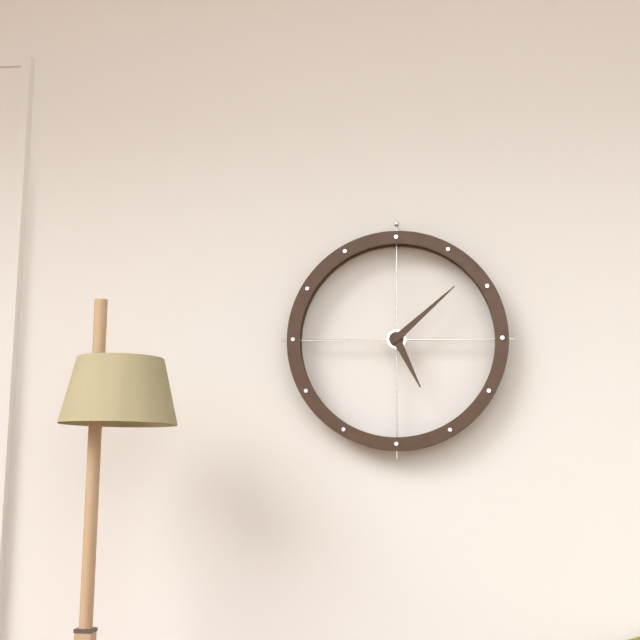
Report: {"hour": 5, "minute": 8}
